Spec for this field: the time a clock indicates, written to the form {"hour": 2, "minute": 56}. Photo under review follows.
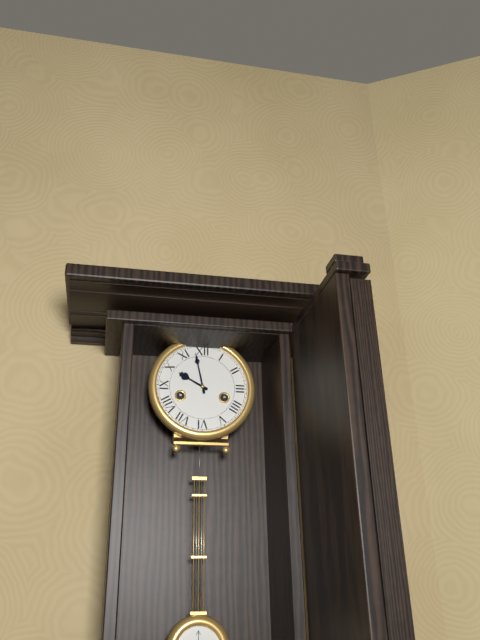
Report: {"hour": 9, "minute": 58}
